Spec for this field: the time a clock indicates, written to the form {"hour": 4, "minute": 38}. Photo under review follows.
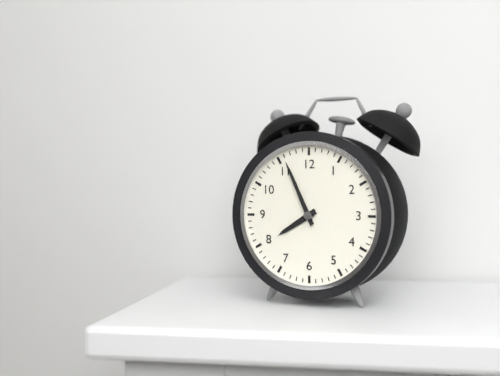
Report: {"hour": 7, "minute": 56}
